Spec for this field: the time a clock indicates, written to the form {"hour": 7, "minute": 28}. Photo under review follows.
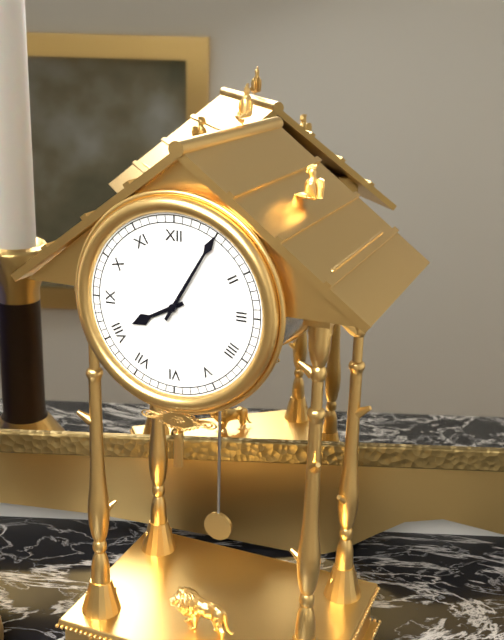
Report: {"hour": 8, "minute": 5}
